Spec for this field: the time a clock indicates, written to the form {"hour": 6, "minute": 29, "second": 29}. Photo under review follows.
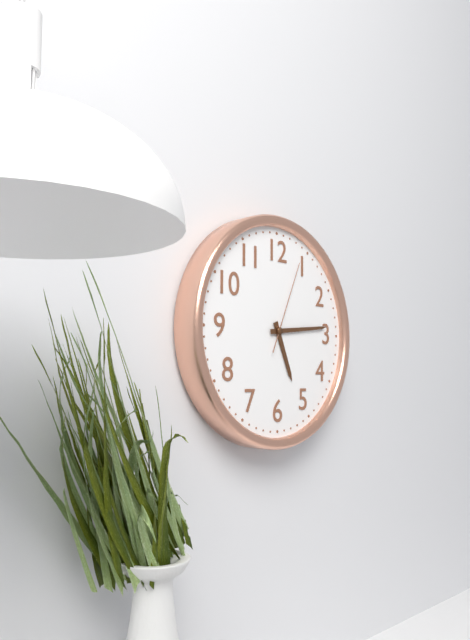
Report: {"hour": 5, "minute": 14, "second": 4}
